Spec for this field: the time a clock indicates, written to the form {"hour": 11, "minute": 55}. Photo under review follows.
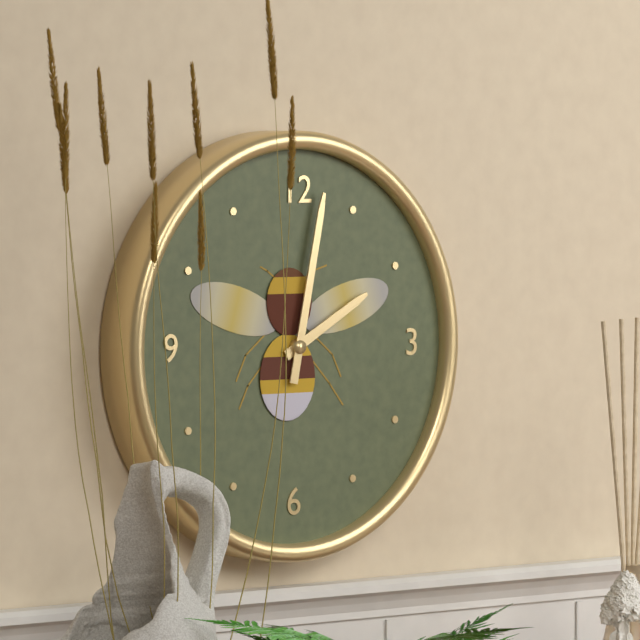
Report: {"hour": 2, "minute": 2}
